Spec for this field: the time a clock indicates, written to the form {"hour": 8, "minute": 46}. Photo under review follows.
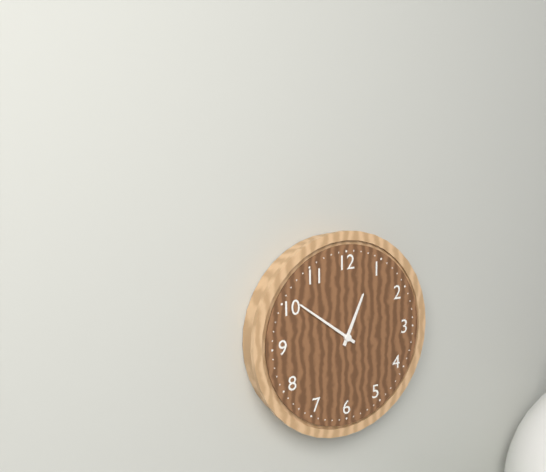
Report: {"hour": 12, "minute": 51}
